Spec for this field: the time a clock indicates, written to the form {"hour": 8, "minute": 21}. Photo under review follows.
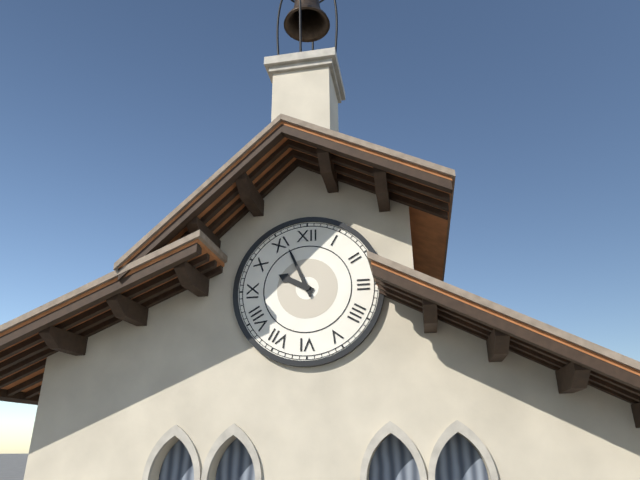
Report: {"hour": 9, "minute": 56}
